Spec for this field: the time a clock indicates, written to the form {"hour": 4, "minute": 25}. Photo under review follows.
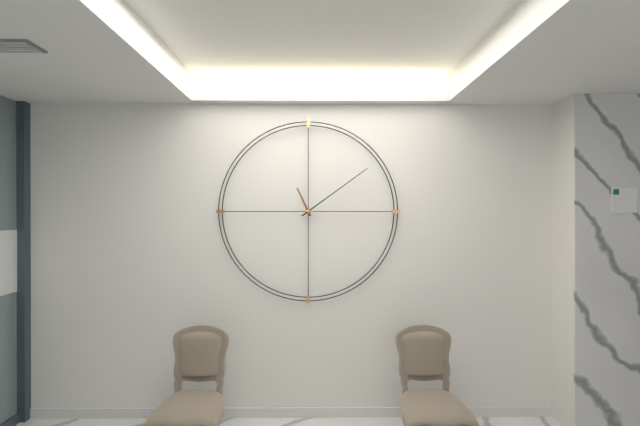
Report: {"hour": 11, "minute": 9}
